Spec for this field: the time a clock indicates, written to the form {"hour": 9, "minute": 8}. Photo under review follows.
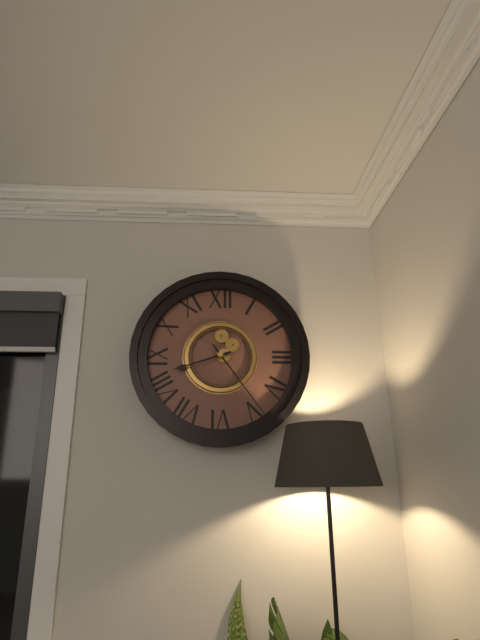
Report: {"hour": 8, "minute": 24}
